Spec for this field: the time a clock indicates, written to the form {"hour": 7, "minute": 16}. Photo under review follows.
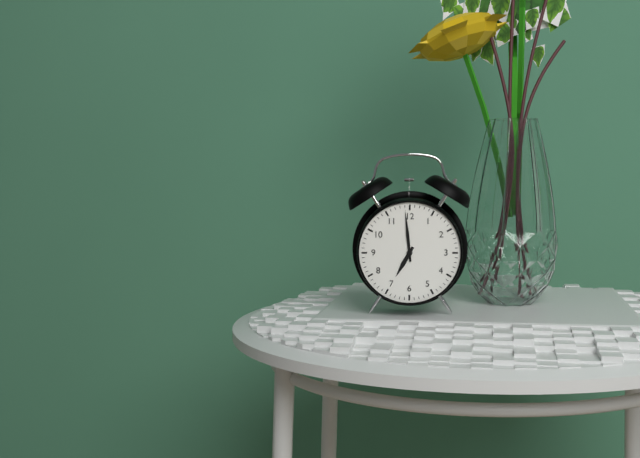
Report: {"hour": 6, "minute": 59}
